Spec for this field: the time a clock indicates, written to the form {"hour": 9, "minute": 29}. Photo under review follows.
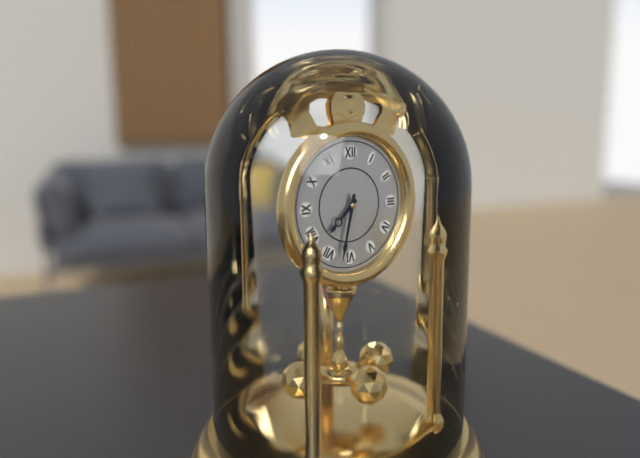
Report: {"hour": 7, "minute": 32}
